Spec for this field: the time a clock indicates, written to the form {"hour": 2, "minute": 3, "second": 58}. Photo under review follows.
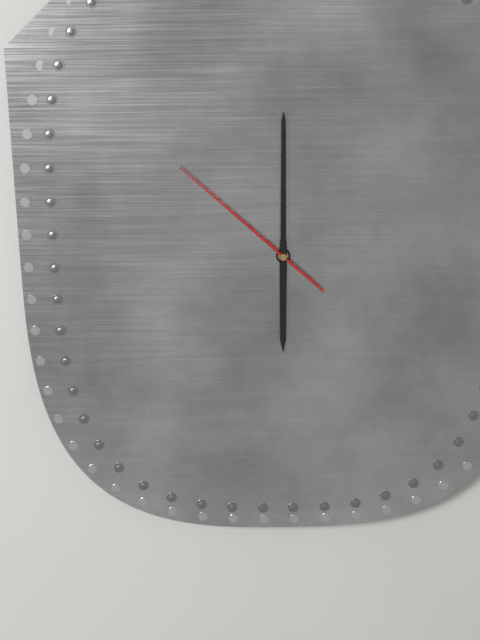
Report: {"hour": 6, "minute": 0, "second": 52}
